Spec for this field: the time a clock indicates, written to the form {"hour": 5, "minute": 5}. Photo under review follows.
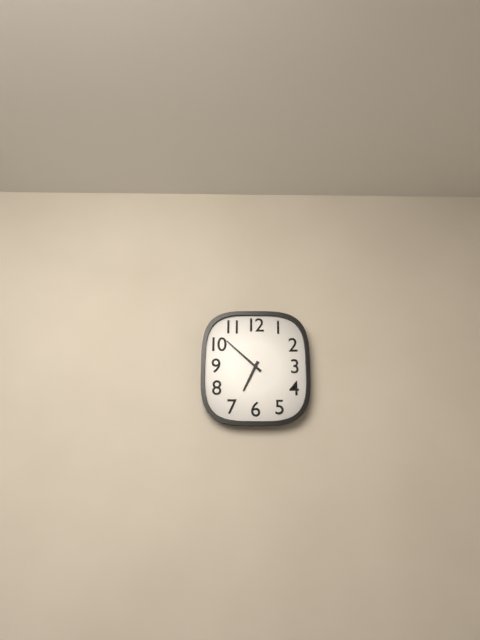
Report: {"hour": 6, "minute": 52}
